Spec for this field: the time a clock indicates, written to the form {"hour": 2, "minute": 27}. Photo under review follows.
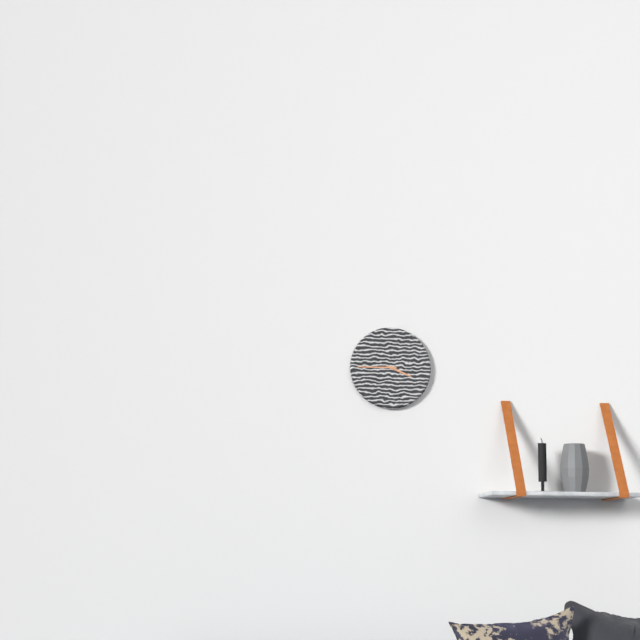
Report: {"hour": 3, "minute": 45}
